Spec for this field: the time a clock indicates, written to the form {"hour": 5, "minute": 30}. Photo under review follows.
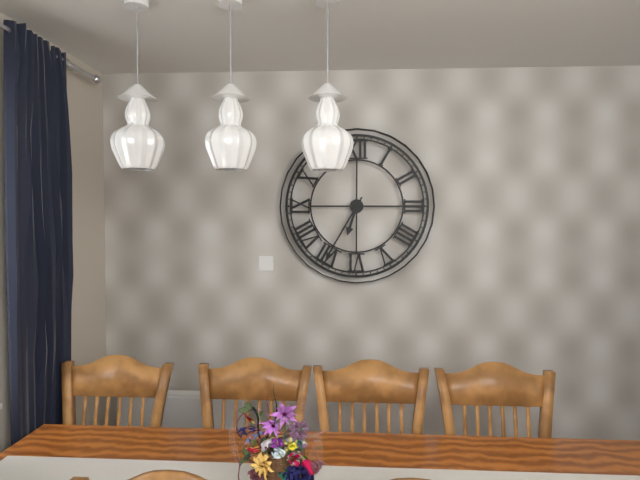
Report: {"hour": 6, "minute": 35}
